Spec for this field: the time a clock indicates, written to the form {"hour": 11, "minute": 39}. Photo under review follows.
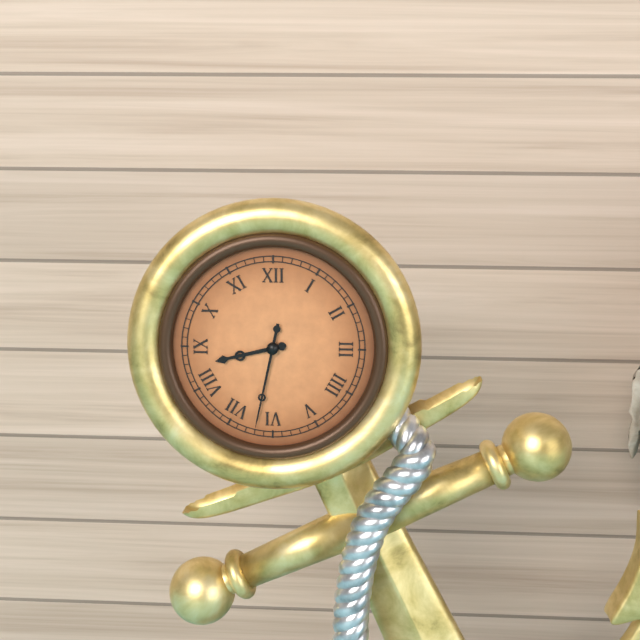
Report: {"hour": 8, "minute": 32}
